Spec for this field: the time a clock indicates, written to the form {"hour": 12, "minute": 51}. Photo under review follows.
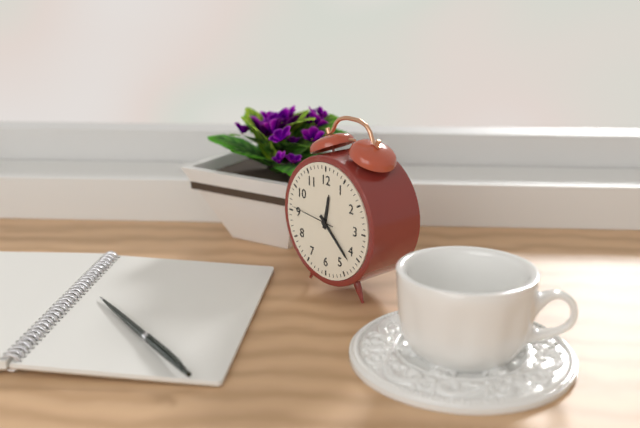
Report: {"hour": 12, "minute": 22}
